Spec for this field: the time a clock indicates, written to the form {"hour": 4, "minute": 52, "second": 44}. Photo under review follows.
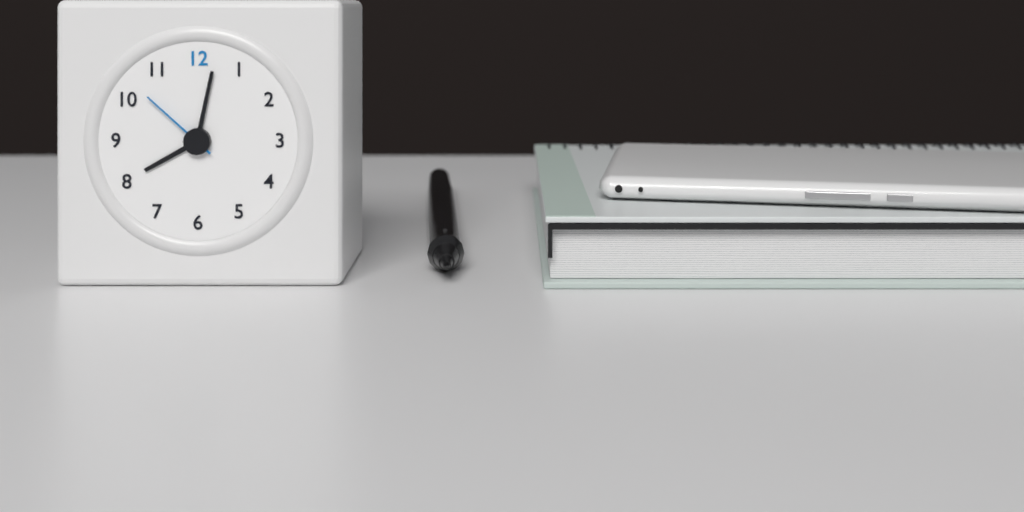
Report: {"hour": 8, "minute": 2, "second": 52}
